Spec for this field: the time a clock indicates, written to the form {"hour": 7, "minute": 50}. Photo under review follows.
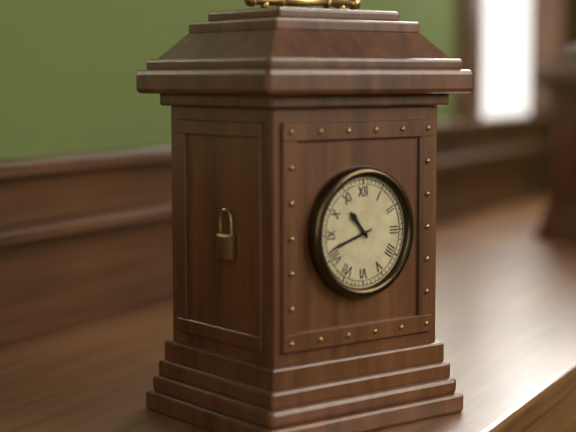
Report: {"hour": 10, "minute": 42}
